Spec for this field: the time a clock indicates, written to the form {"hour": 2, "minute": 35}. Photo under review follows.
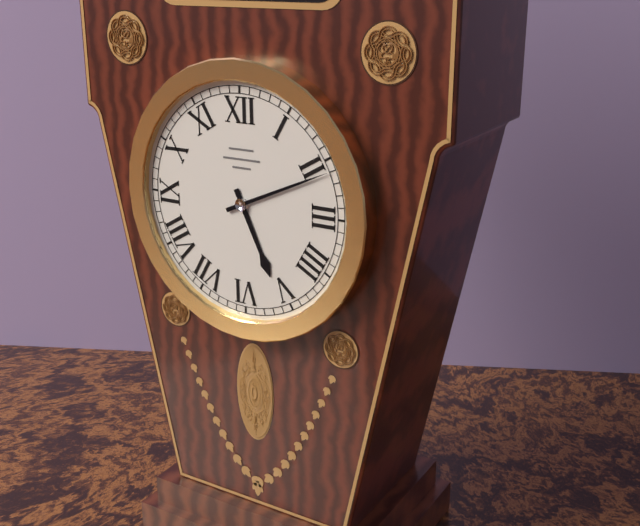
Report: {"hour": 5, "minute": 11}
